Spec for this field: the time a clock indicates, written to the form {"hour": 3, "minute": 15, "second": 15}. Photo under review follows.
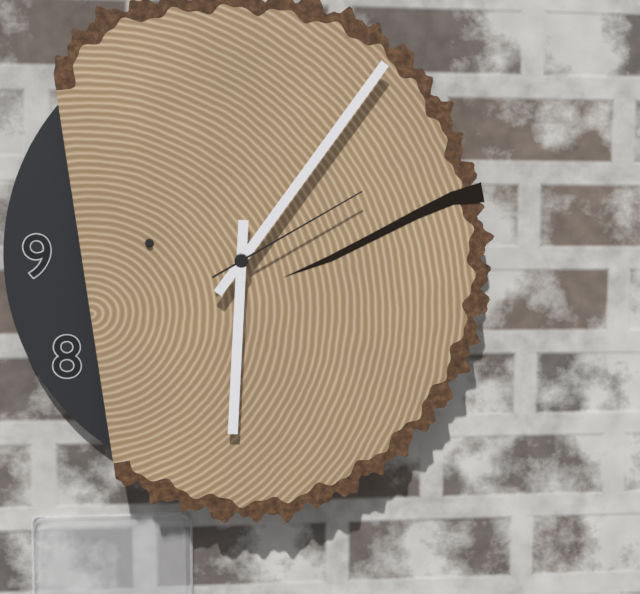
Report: {"hour": 6, "minute": 6, "second": 10}
